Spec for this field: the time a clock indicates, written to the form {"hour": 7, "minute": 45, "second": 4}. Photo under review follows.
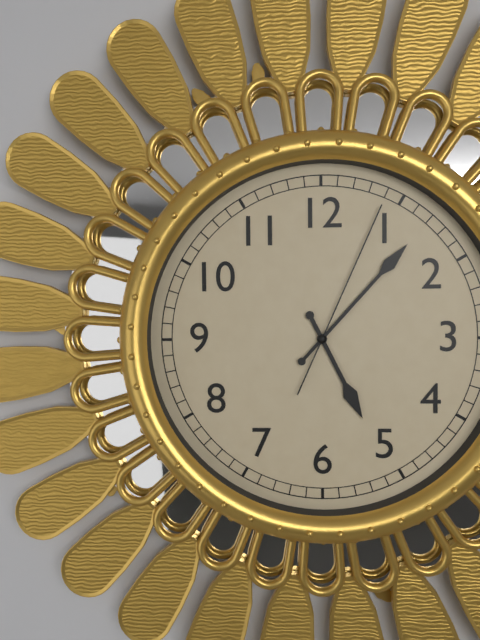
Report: {"hour": 5, "minute": 7, "second": 4}
